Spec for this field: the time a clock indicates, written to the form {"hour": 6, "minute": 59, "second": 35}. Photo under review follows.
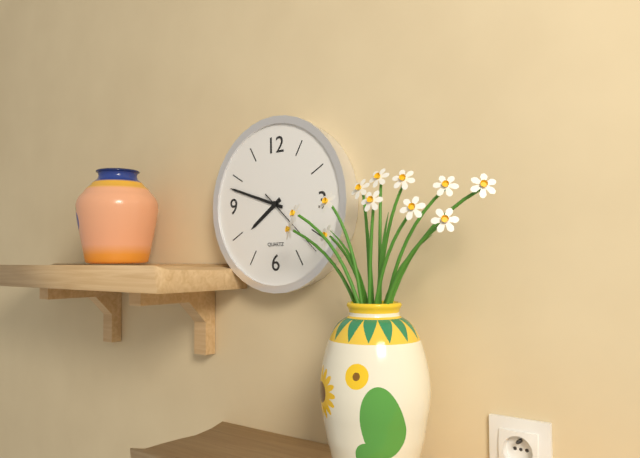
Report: {"hour": 7, "minute": 48, "second": 22}
